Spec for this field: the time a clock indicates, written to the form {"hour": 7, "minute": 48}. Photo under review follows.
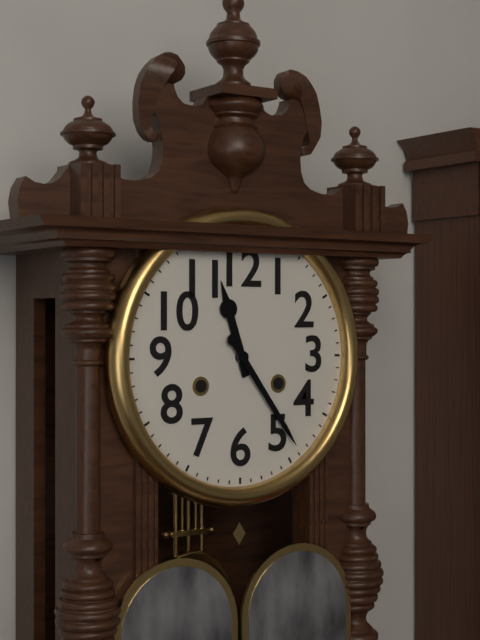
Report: {"hour": 11, "minute": 24}
